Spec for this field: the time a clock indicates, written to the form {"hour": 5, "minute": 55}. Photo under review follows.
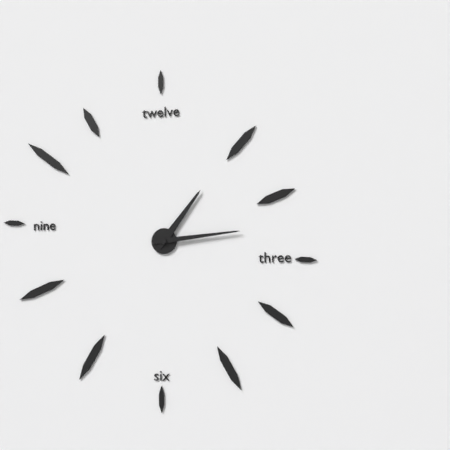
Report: {"hour": 1, "minute": 14}
